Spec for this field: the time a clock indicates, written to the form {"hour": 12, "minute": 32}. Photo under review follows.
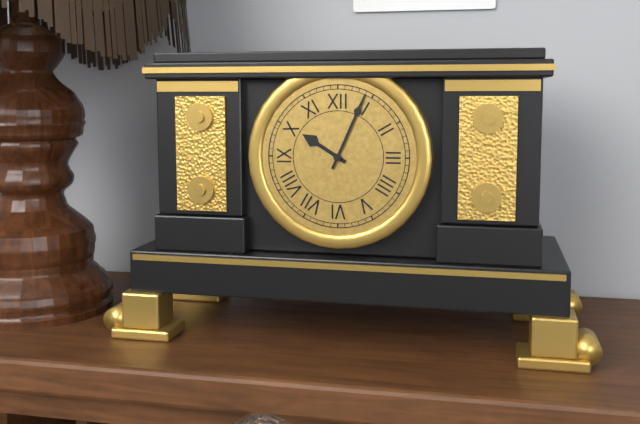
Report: {"hour": 10, "minute": 4}
